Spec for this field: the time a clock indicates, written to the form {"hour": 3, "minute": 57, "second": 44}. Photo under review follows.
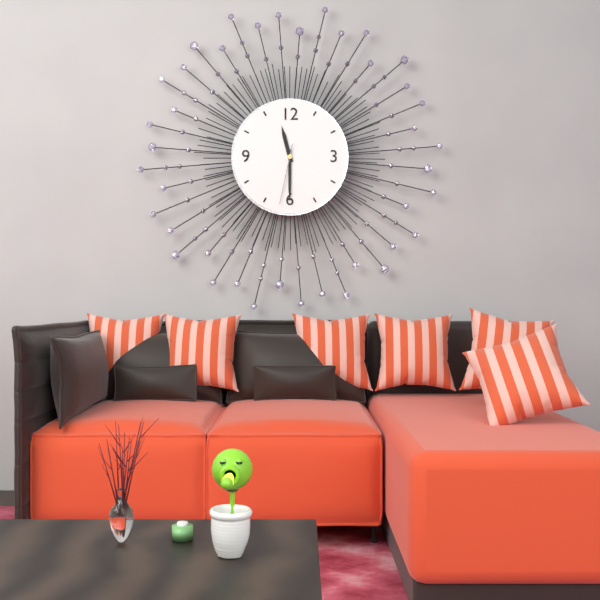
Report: {"hour": 11, "minute": 30, "second": 32}
